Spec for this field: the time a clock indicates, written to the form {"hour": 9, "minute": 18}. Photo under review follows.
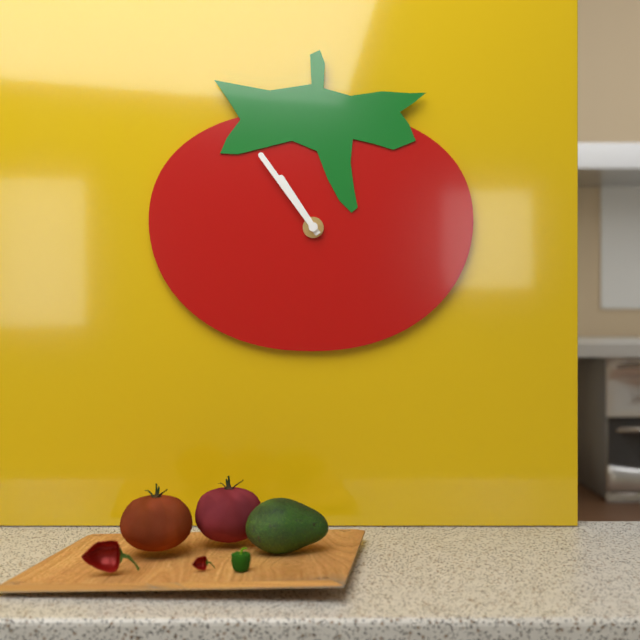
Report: {"hour": 10, "minute": 54}
